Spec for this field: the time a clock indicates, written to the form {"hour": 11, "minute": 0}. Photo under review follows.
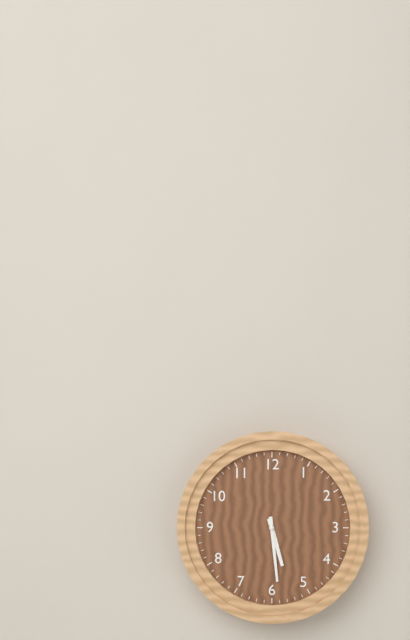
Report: {"hour": 5, "minute": 29}
